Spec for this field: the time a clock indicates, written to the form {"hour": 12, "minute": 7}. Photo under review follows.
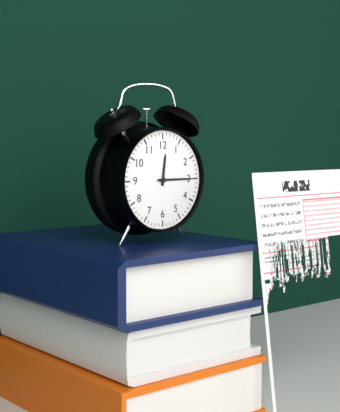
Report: {"hour": 12, "minute": 15}
